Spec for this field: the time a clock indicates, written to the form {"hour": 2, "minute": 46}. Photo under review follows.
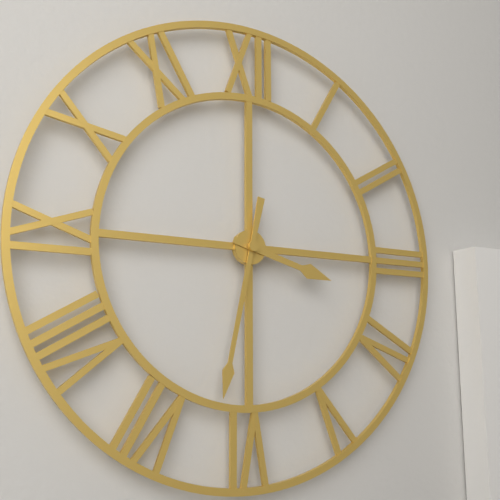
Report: {"hour": 3, "minute": 32}
